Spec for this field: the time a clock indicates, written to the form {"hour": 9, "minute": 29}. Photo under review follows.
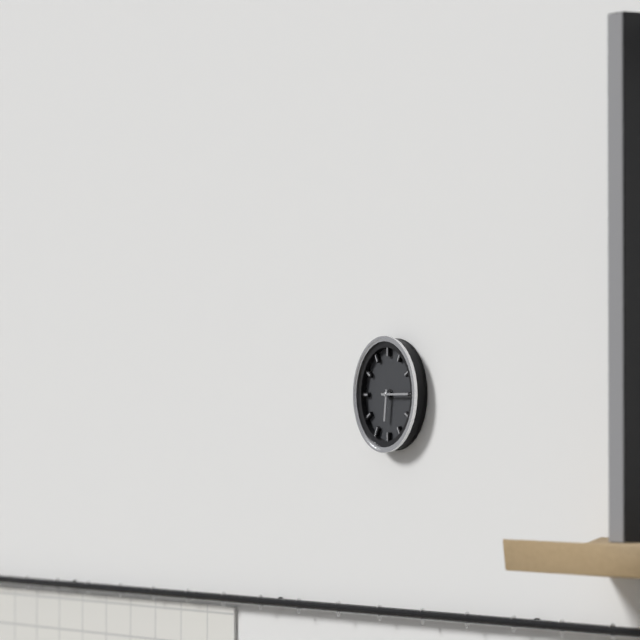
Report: {"hour": 6, "minute": 15}
